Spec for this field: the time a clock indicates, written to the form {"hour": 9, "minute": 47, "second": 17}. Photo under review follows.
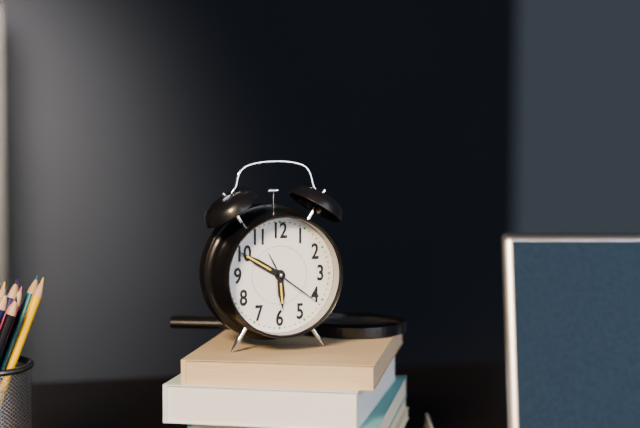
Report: {"hour": 5, "minute": 50, "second": 21}
